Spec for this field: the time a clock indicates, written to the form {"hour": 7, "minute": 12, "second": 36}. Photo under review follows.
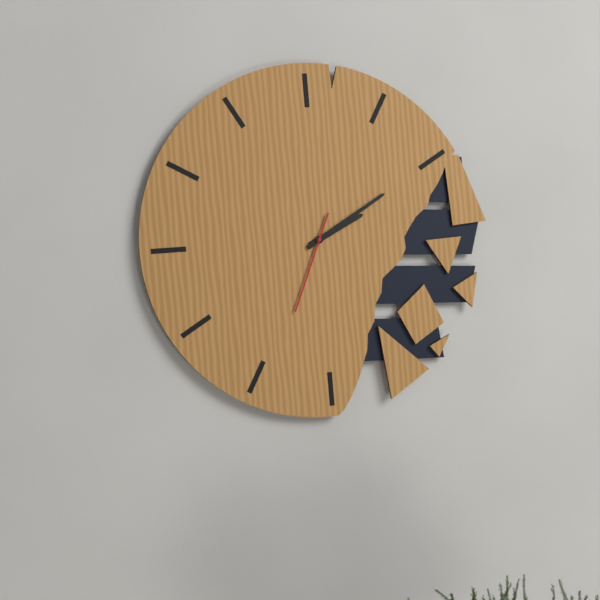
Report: {"hour": 2, "minute": 10, "second": 34}
